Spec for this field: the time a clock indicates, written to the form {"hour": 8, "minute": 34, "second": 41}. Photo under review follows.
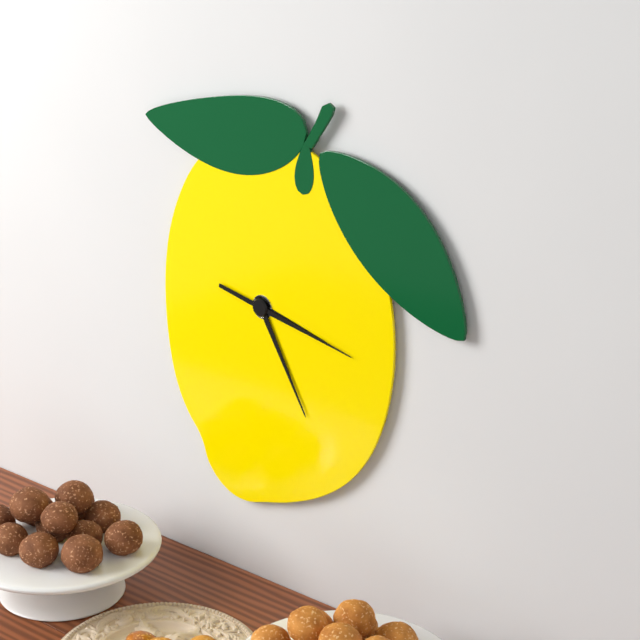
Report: {"hour": 3, "minute": 25, "second": 17}
